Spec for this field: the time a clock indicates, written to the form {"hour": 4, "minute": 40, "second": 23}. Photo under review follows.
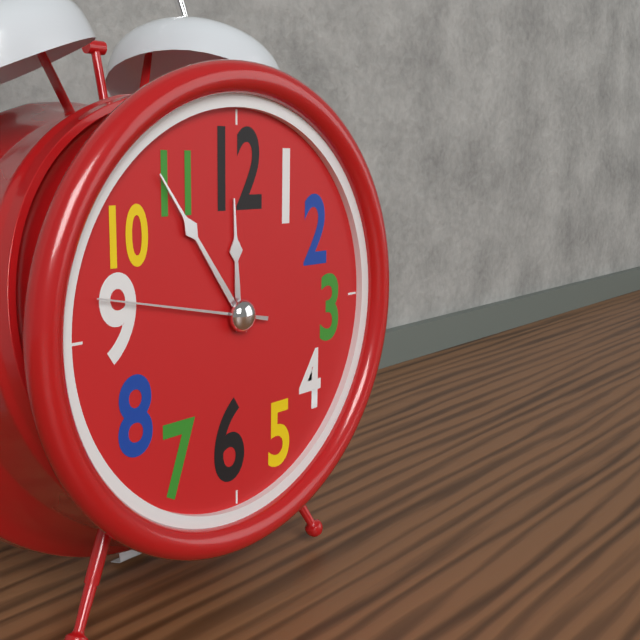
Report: {"hour": 11, "minute": 54, "second": 47}
